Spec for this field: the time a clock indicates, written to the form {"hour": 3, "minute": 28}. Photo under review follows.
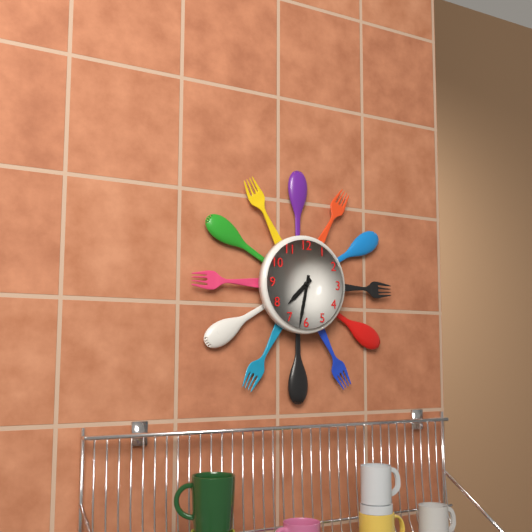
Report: {"hour": 7, "minute": 32}
